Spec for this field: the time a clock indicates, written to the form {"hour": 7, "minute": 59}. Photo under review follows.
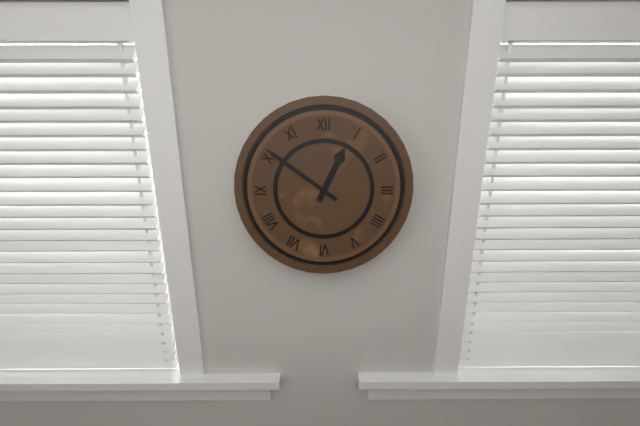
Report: {"hour": 12, "minute": 51}
